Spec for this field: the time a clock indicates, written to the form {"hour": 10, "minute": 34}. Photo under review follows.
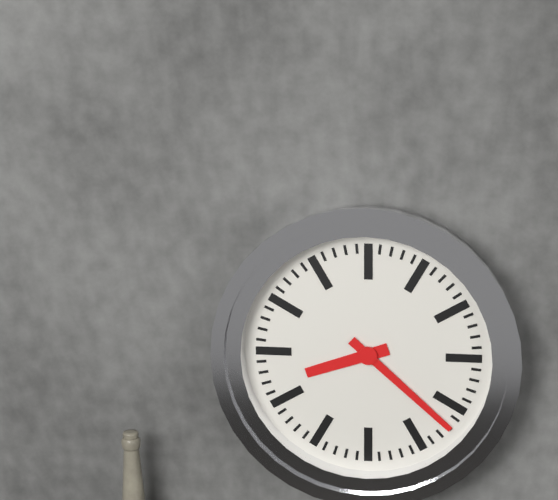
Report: {"hour": 8, "minute": 22}
